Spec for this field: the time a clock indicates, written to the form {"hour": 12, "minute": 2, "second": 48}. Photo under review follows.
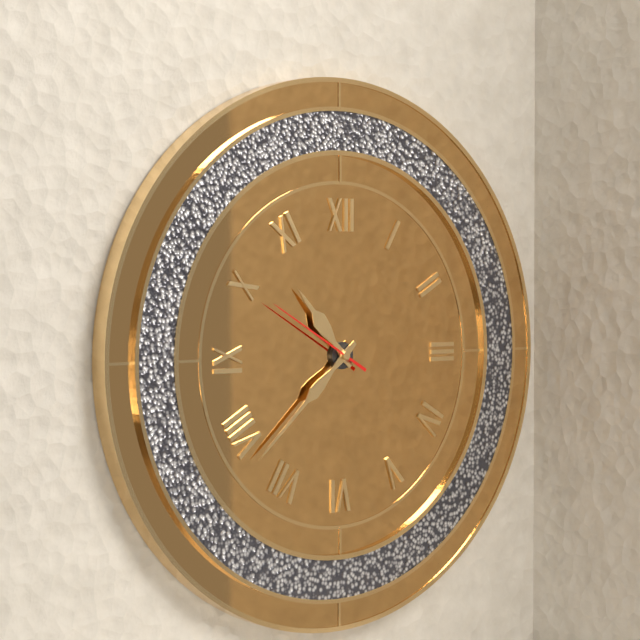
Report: {"hour": 10, "minute": 38, "second": 50}
